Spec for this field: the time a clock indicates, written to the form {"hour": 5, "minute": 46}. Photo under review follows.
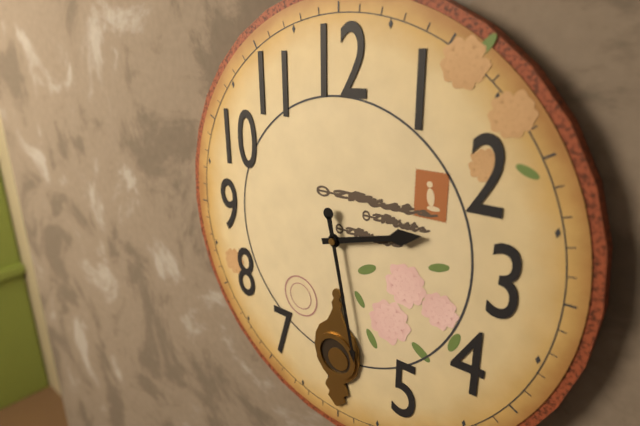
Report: {"hour": 2, "minute": 28}
